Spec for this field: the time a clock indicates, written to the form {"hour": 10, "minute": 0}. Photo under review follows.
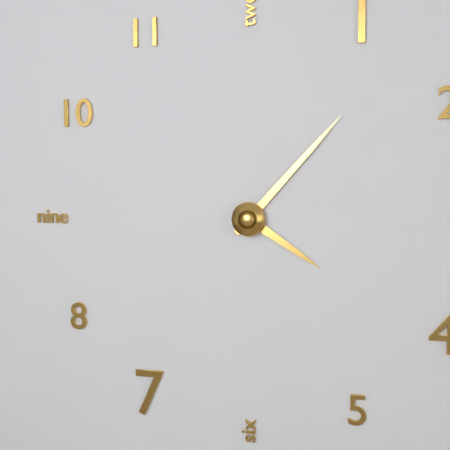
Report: {"hour": 4, "minute": 7}
